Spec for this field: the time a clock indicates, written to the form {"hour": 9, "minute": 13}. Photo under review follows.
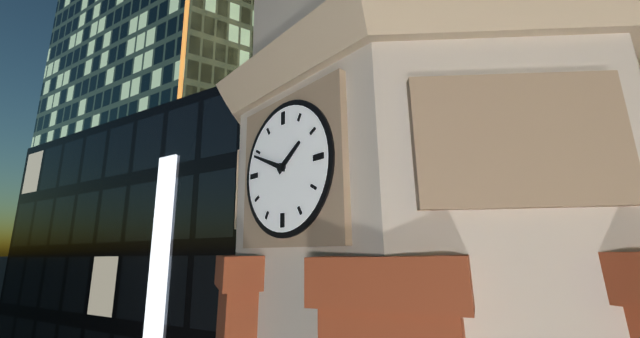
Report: {"hour": 1, "minute": 49}
